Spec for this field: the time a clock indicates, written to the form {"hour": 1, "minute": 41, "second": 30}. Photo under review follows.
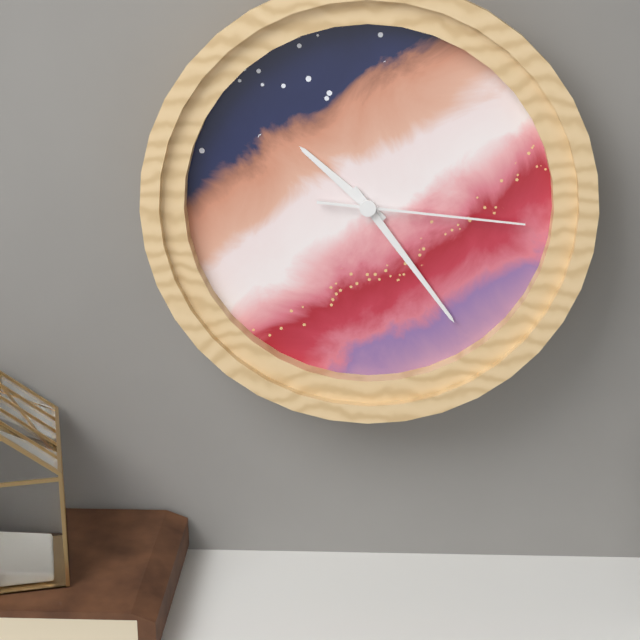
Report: {"hour": 10, "minute": 24, "second": 16}
